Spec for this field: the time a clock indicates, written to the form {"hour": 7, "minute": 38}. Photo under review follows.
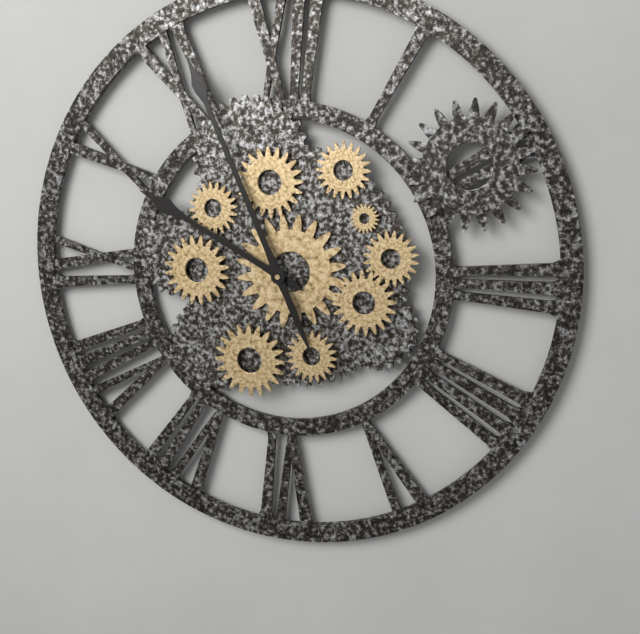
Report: {"hour": 9, "minute": 56}
